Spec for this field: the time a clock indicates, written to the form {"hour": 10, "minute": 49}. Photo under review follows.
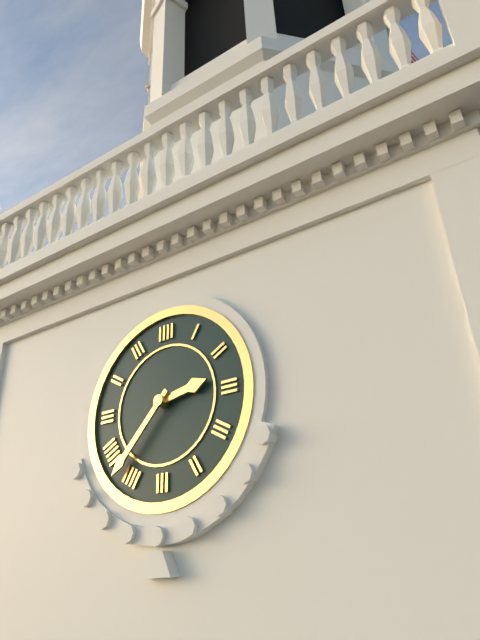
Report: {"hour": 2, "minute": 37}
